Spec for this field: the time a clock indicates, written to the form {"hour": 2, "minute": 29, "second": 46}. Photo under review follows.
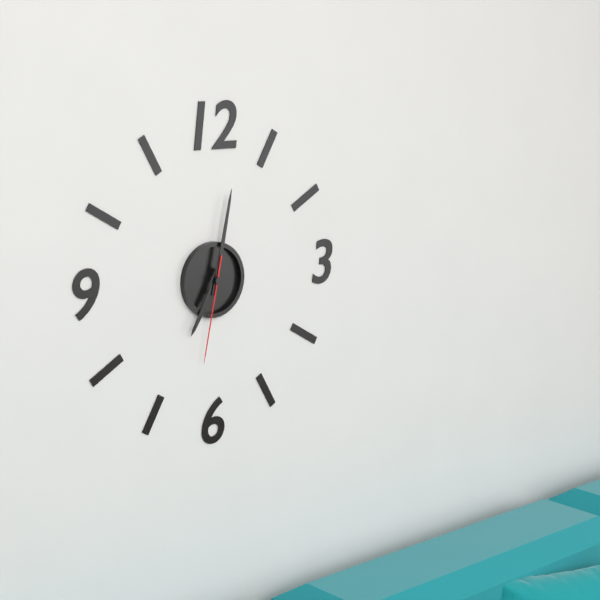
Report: {"hour": 7, "minute": 2, "second": 32}
